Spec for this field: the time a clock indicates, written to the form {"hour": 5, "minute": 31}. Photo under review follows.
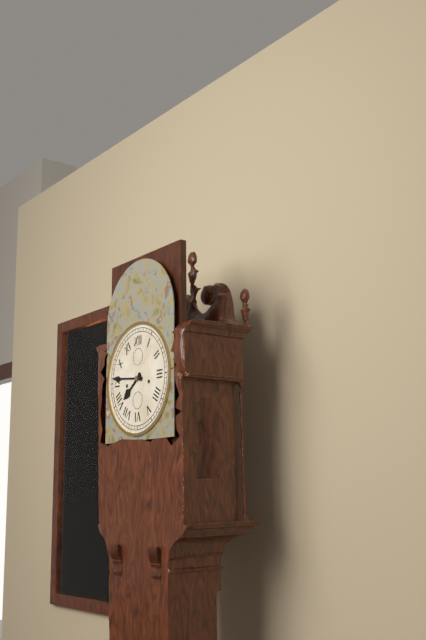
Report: {"hour": 7, "minute": 46}
